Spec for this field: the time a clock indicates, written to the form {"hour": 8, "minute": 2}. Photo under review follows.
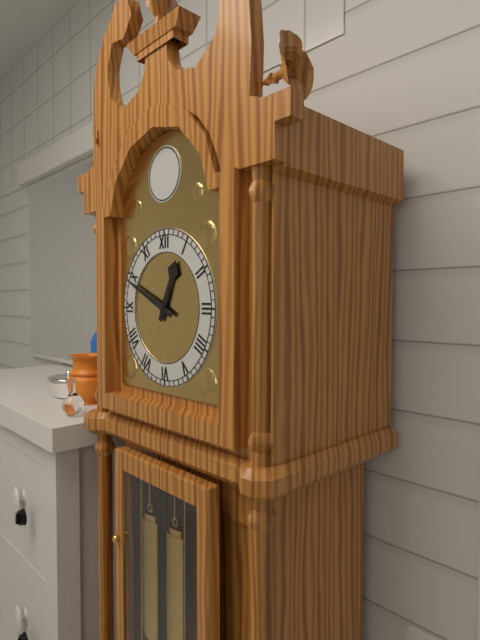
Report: {"hour": 12, "minute": 49}
